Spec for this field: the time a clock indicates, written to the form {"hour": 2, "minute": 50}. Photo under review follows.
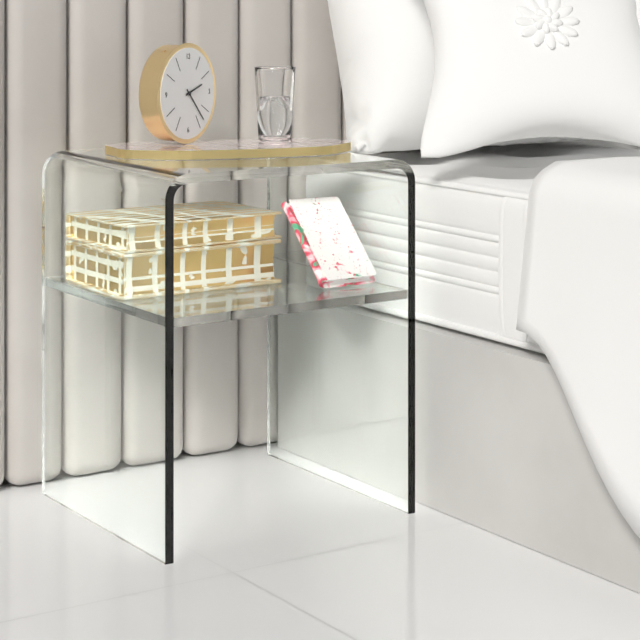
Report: {"hour": 2, "minute": 23}
